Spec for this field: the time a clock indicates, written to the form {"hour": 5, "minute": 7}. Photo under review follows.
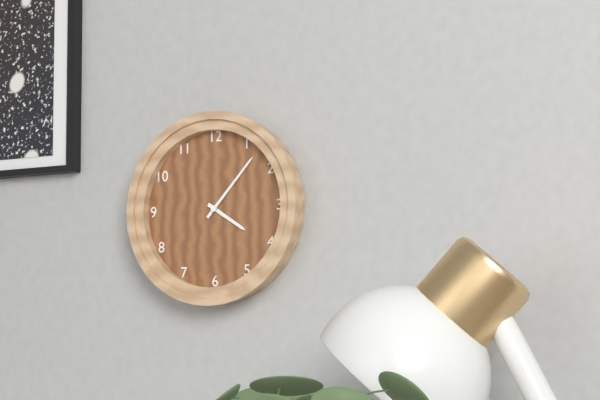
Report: {"hour": 4, "minute": 7}
